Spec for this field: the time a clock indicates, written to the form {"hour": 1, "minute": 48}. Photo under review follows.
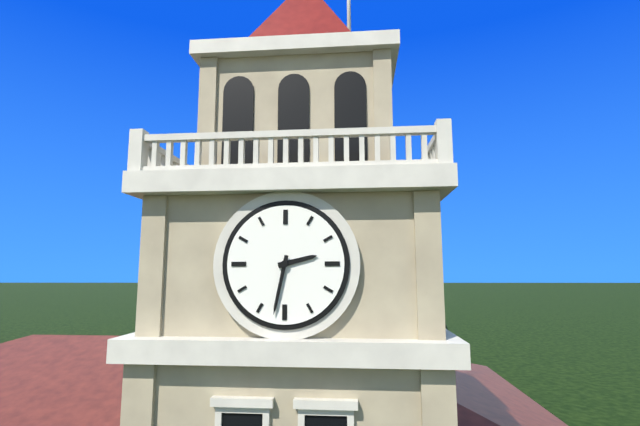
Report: {"hour": 2, "minute": 32}
